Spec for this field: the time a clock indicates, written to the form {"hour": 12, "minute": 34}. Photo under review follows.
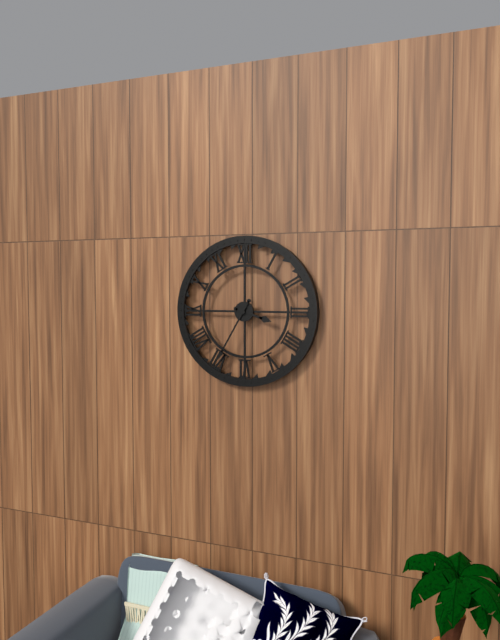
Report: {"hour": 3, "minute": 35}
